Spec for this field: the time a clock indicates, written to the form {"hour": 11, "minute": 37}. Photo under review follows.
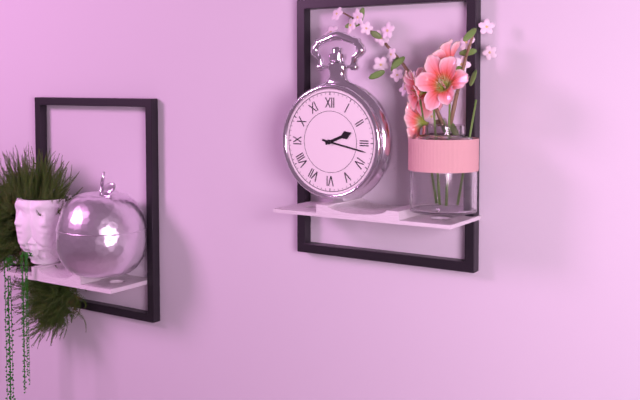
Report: {"hour": 2, "minute": 17}
